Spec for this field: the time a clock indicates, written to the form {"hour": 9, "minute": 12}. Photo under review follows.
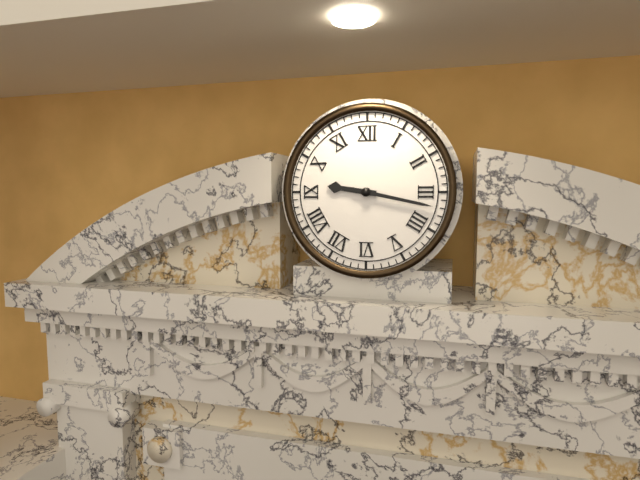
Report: {"hour": 9, "minute": 17}
